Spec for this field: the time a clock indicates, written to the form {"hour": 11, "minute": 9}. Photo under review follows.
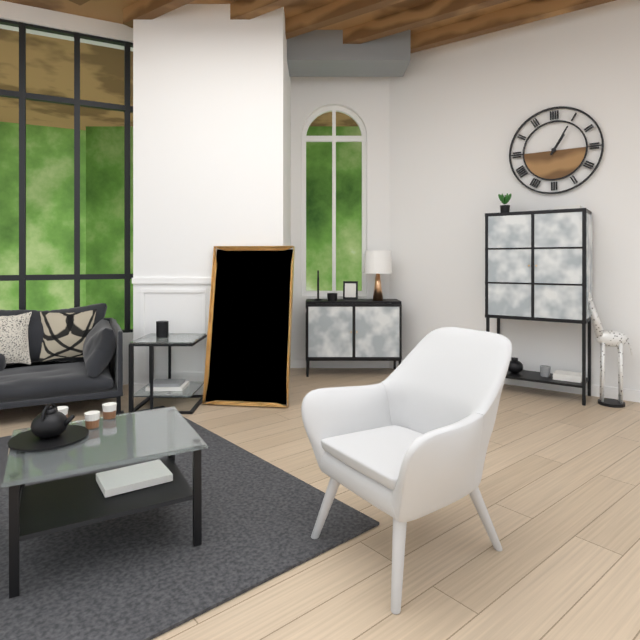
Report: {"hour": 1, "minute": 5}
